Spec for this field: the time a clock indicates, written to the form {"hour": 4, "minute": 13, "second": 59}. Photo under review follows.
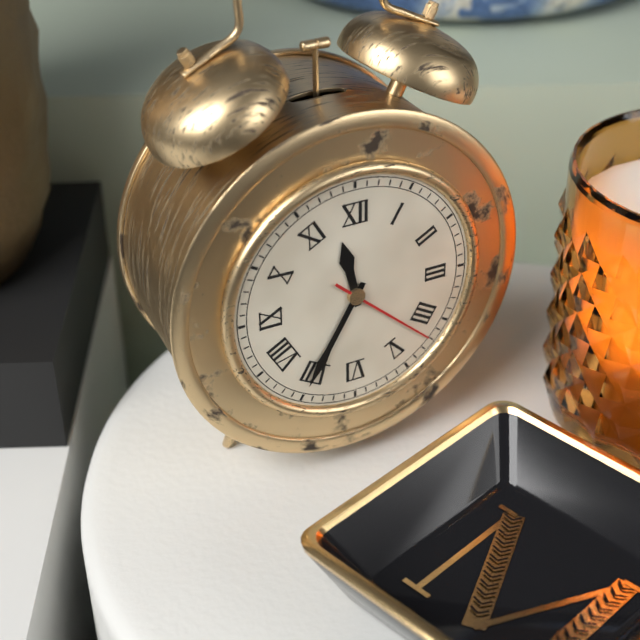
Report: {"hour": 11, "minute": 35, "second": 22}
